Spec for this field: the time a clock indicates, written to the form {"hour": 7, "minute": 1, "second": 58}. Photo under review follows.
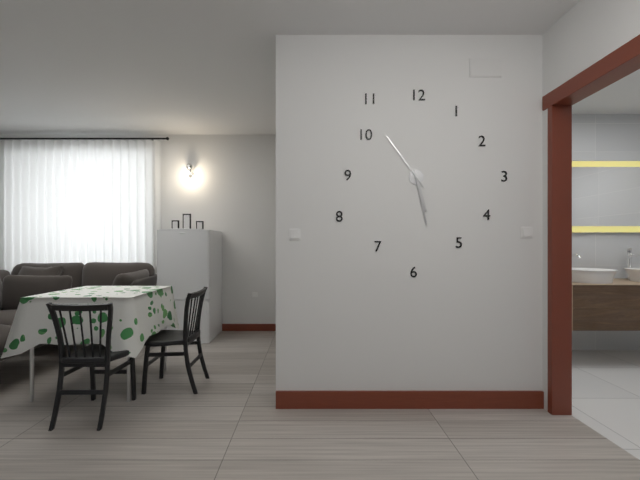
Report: {"hour": 5, "minute": 28, "second": 54}
